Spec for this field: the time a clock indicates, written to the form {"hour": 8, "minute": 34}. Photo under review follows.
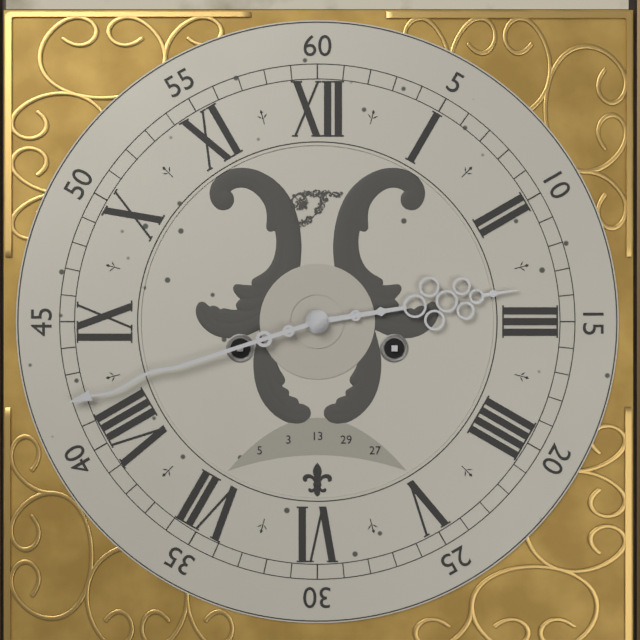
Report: {"hour": 2, "minute": 42}
